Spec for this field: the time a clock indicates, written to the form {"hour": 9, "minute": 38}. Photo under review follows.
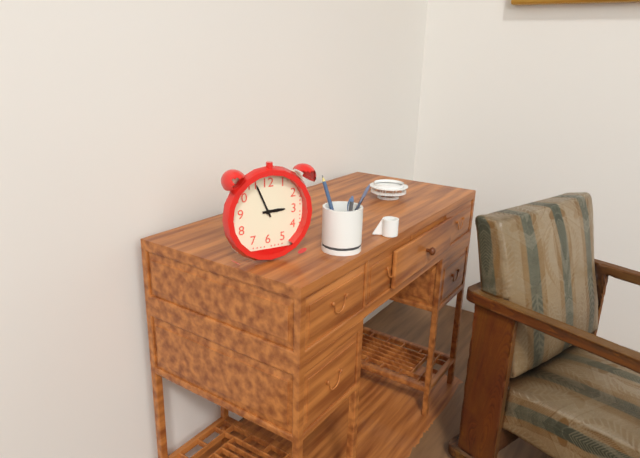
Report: {"hour": 2, "minute": 56}
